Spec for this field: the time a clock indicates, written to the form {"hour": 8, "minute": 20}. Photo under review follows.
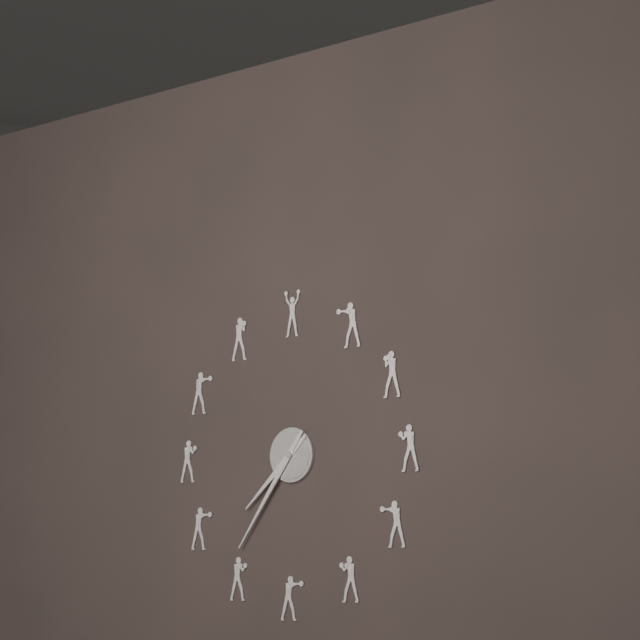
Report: {"hour": 7, "minute": 36}
